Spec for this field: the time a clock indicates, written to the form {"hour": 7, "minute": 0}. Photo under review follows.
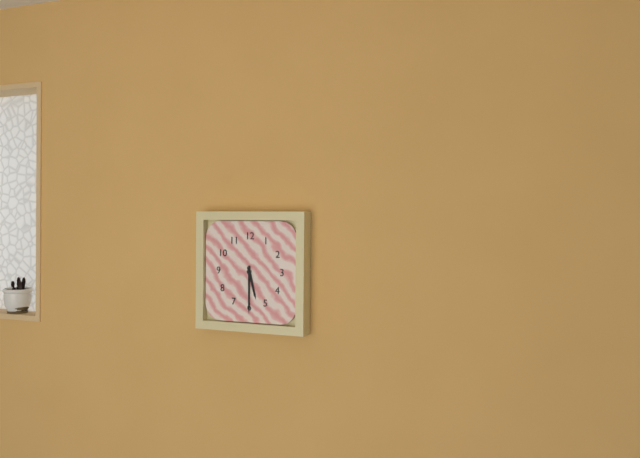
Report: {"hour": 5, "minute": 30}
